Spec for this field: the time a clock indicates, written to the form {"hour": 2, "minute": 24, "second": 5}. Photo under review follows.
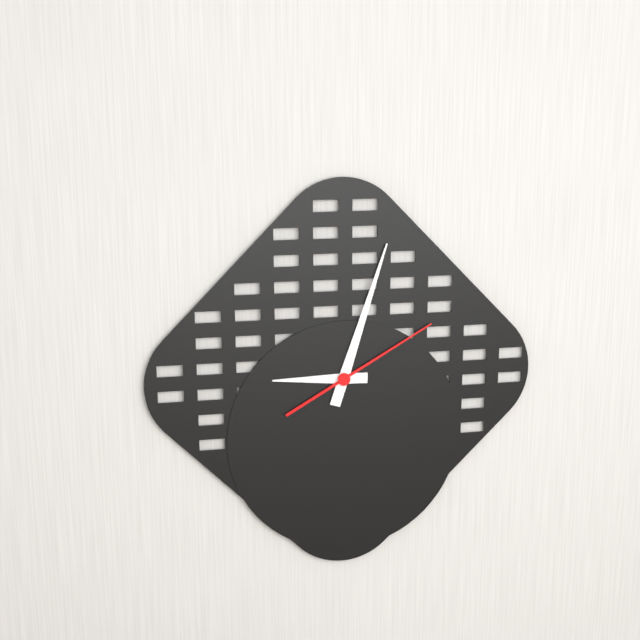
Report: {"hour": 9, "minute": 3, "second": 10}
